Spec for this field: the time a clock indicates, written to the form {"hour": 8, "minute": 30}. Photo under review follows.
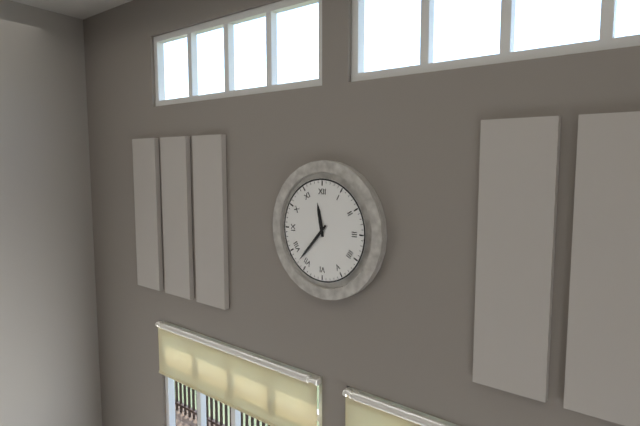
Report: {"hour": 11, "minute": 37}
